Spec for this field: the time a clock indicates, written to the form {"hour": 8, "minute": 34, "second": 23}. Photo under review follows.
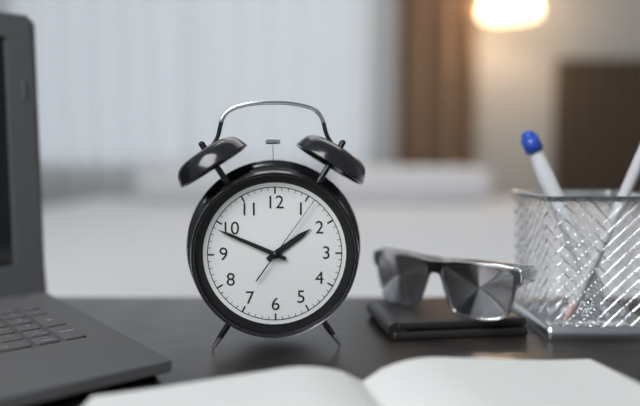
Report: {"hour": 1, "minute": 49, "second": 6}
